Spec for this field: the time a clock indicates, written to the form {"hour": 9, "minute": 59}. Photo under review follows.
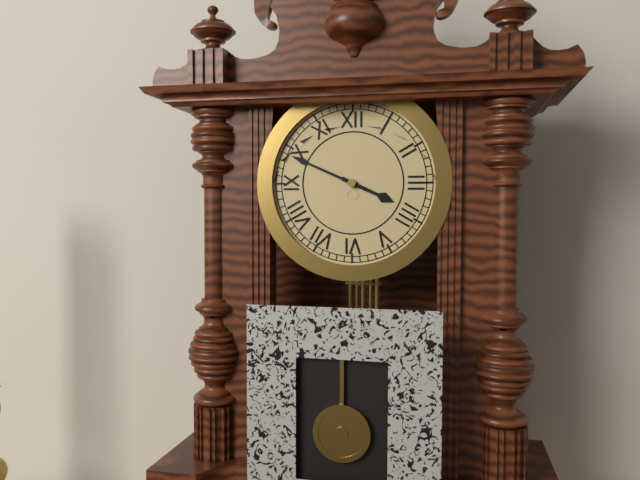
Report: {"hour": 3, "minute": 49}
